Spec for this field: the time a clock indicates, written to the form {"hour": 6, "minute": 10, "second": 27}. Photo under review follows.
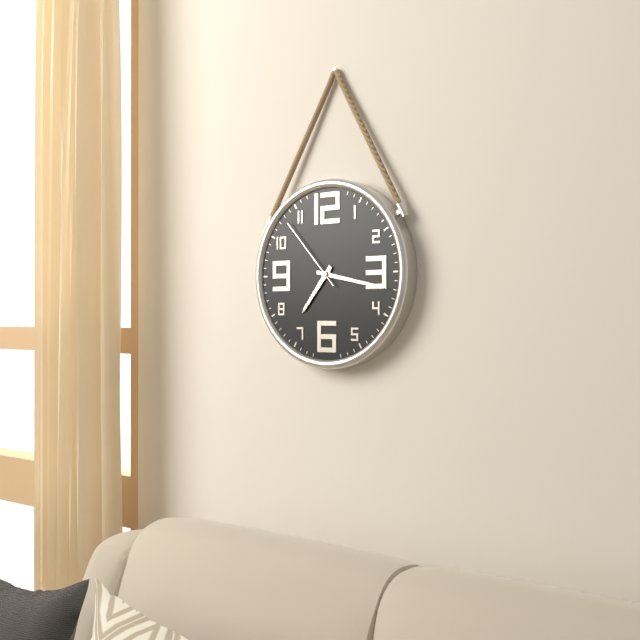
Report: {"hour": 7, "minute": 17, "second": 53}
